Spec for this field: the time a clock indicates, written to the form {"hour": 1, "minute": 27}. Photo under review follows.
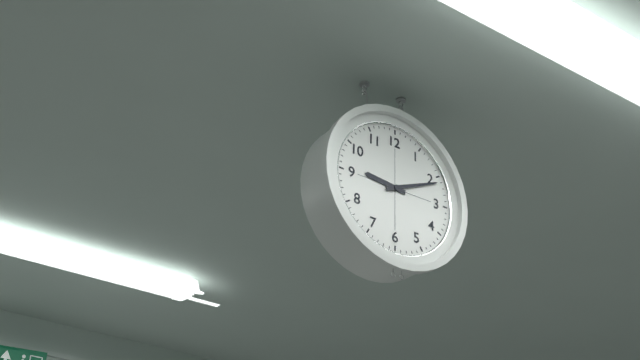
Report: {"hour": 9, "minute": 11}
